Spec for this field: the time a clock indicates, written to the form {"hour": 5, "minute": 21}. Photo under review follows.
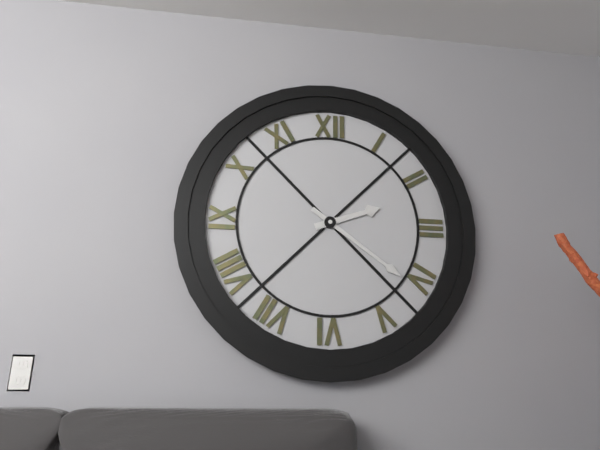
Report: {"hour": 2, "minute": 21}
